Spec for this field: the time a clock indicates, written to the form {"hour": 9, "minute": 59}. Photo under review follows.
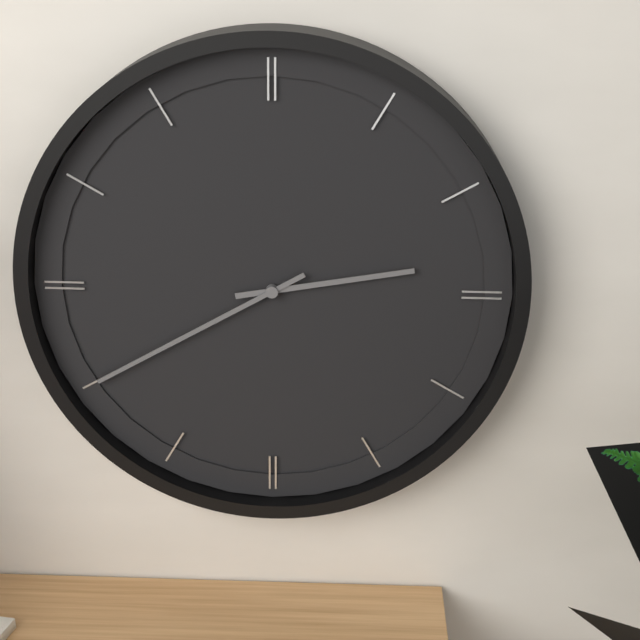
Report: {"hour": 2, "minute": 40}
